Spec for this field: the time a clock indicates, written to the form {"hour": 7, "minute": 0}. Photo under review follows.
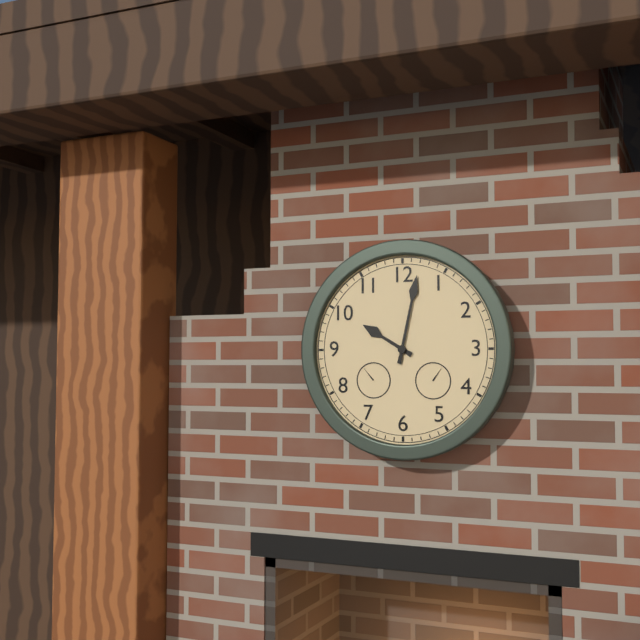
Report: {"hour": 10, "minute": 2}
